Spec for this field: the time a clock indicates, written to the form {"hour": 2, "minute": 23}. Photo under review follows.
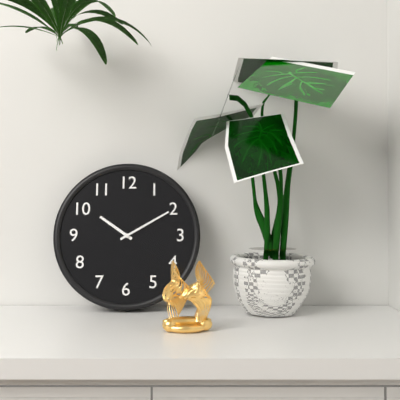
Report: {"hour": 10, "minute": 10}
